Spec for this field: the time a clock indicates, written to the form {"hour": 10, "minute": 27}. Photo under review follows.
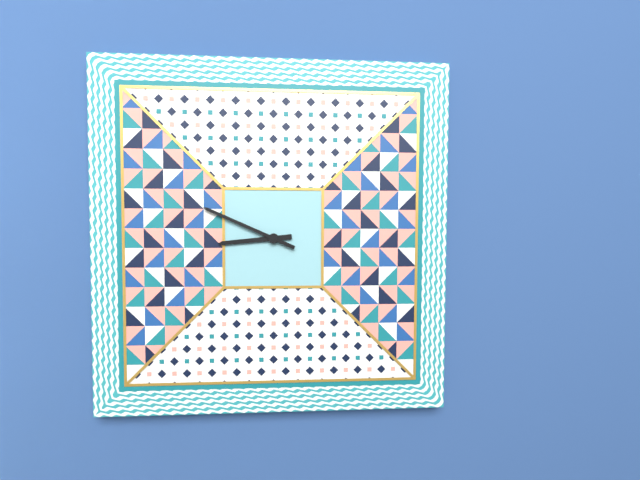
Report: {"hour": 8, "minute": 49}
